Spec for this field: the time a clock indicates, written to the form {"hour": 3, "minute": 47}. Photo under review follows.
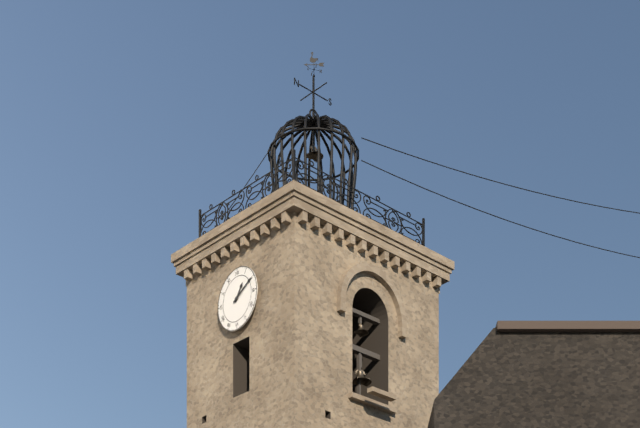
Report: {"hour": 1, "minute": 10}
